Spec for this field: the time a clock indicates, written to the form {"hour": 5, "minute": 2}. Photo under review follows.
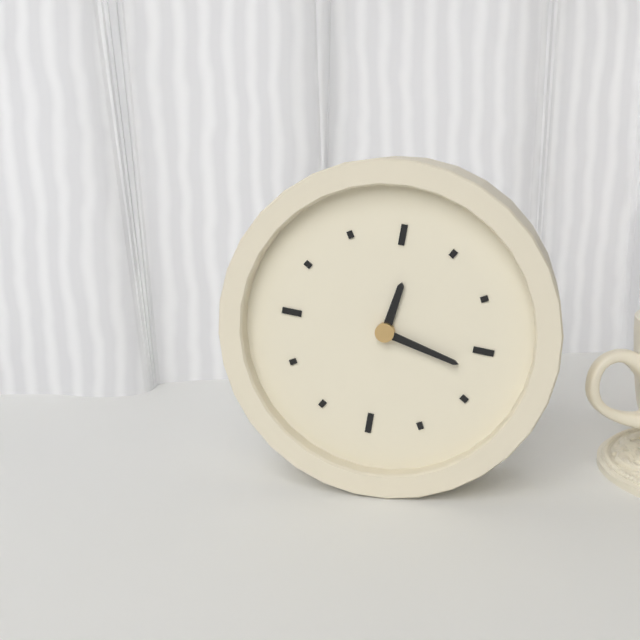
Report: {"hour": 12, "minute": 17}
